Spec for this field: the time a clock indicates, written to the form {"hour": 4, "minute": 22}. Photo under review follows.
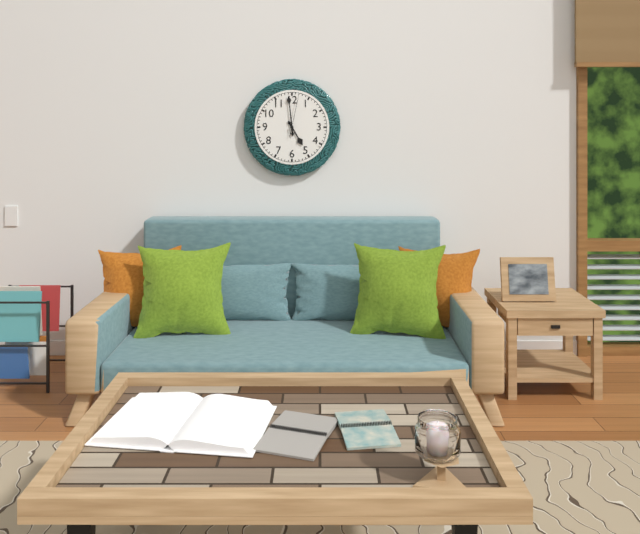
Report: {"hour": 4, "minute": 59}
